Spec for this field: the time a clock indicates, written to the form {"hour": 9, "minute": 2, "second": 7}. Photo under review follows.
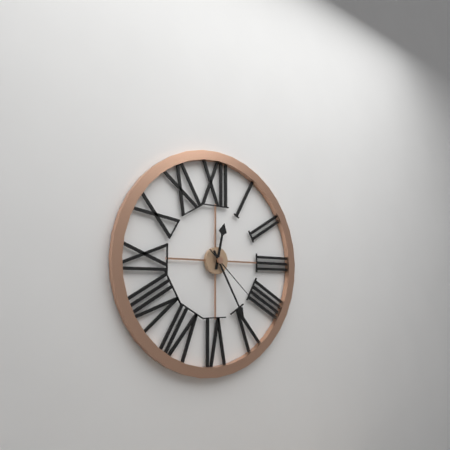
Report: {"hour": 12, "minute": 25, "second": 22}
